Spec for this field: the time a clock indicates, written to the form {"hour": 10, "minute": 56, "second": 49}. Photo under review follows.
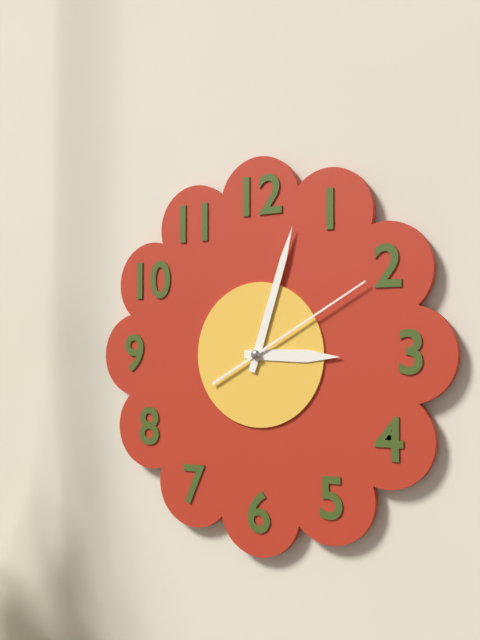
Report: {"hour": 3, "minute": 3, "second": 10}
